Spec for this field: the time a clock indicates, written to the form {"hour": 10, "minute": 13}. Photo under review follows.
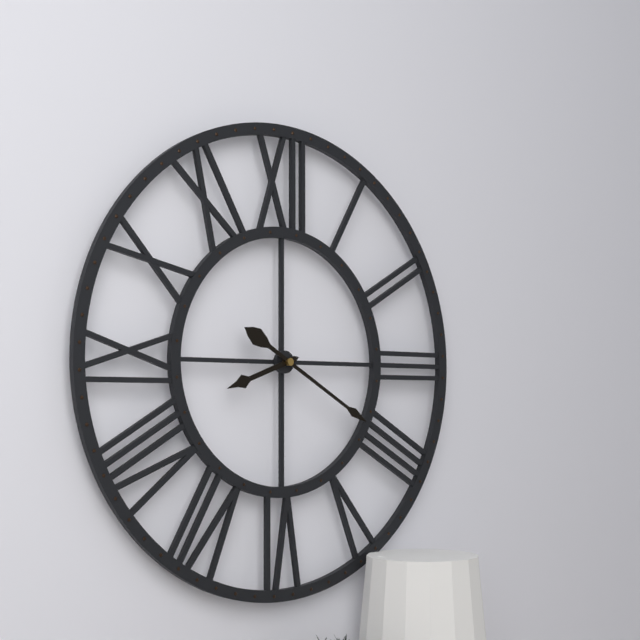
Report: {"hour": 8, "minute": 20}
